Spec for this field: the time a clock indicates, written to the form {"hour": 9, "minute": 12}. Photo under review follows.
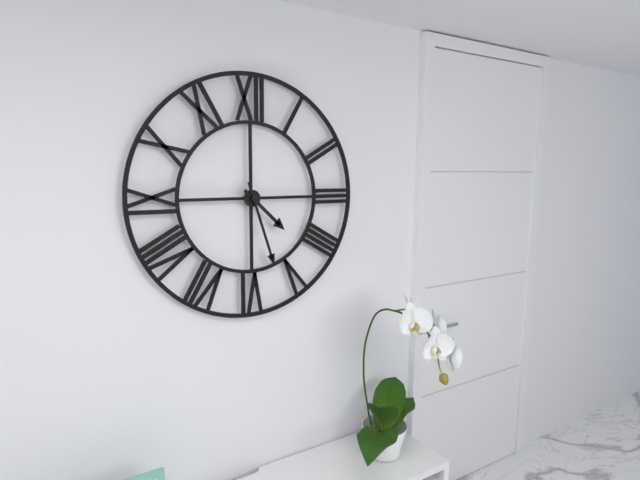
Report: {"hour": 4, "minute": 27}
